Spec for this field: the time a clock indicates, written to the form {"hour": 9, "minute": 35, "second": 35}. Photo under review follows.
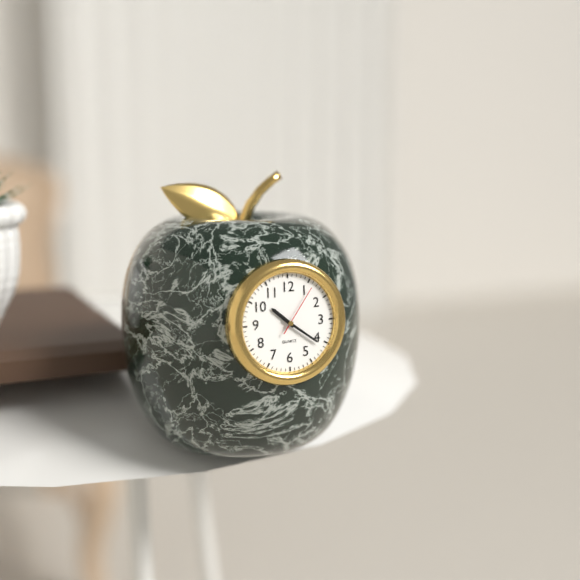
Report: {"hour": 10, "minute": 21, "second": 6}
